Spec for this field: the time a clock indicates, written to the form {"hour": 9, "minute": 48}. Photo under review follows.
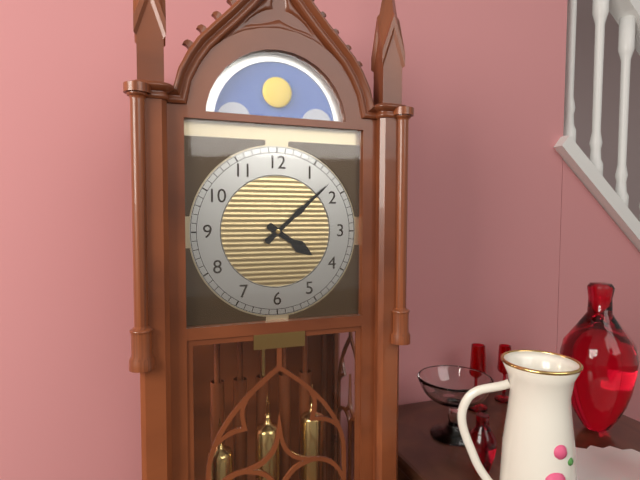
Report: {"hour": 4, "minute": 8}
